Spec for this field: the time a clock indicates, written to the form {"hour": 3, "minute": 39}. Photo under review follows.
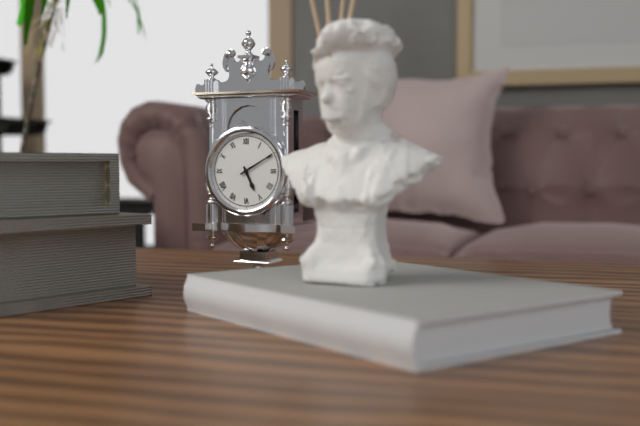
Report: {"hour": 5, "minute": 10}
